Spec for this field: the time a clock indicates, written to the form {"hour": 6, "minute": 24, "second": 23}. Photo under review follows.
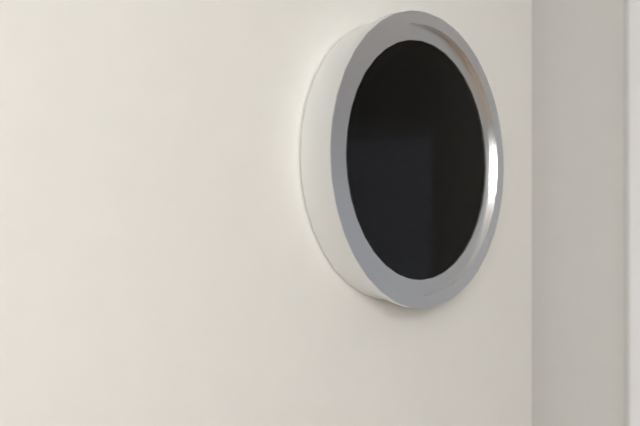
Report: {"hour": 12, "minute": 51, "second": 17}
